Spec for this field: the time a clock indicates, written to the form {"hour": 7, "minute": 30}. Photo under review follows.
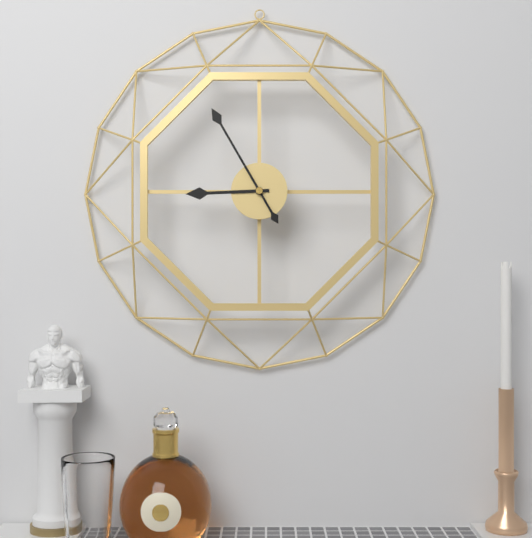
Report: {"hour": 8, "minute": 55}
